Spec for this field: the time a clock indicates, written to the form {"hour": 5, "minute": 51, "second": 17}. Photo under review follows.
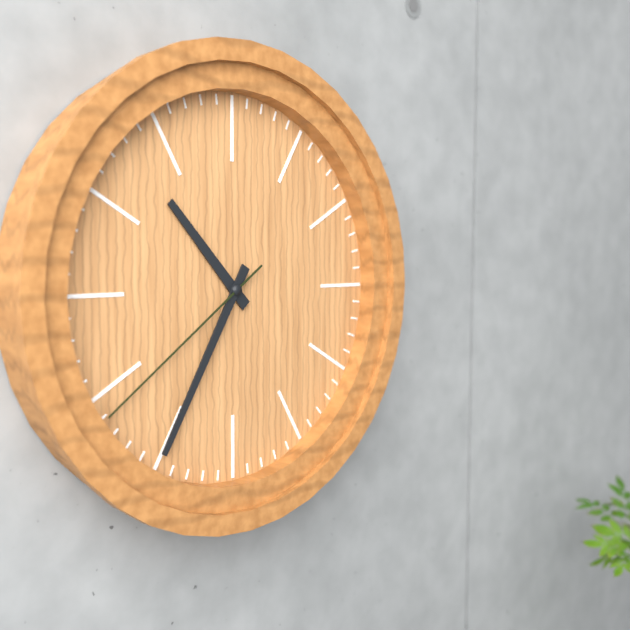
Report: {"hour": 10, "minute": 35, "second": 39}
